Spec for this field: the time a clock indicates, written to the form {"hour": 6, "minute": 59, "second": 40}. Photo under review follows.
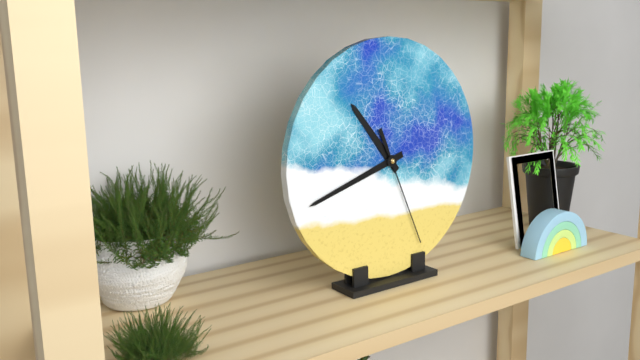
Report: {"hour": 10, "minute": 42, "second": 26}
